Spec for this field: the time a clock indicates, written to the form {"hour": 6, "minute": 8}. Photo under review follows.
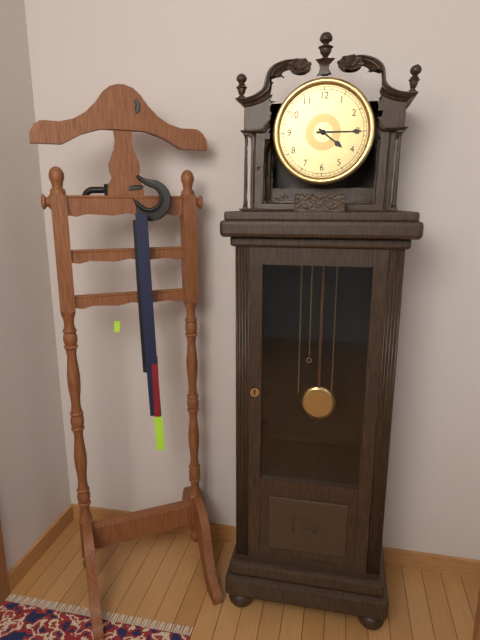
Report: {"hour": 4, "minute": 15}
